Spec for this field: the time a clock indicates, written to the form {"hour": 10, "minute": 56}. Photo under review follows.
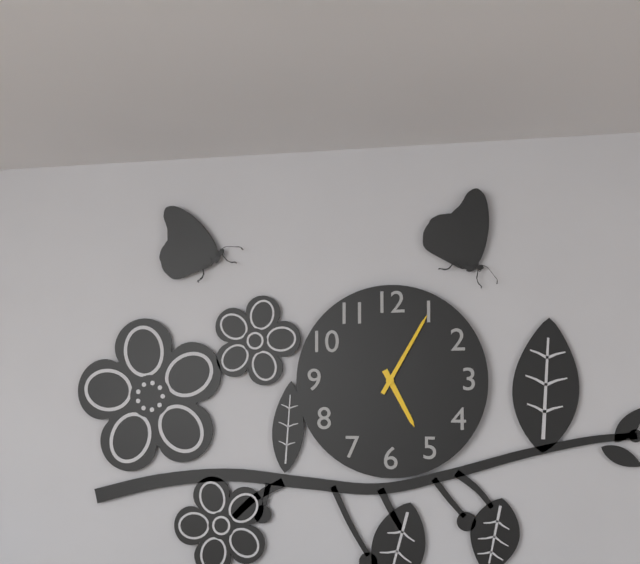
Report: {"hour": 5, "minute": 5}
